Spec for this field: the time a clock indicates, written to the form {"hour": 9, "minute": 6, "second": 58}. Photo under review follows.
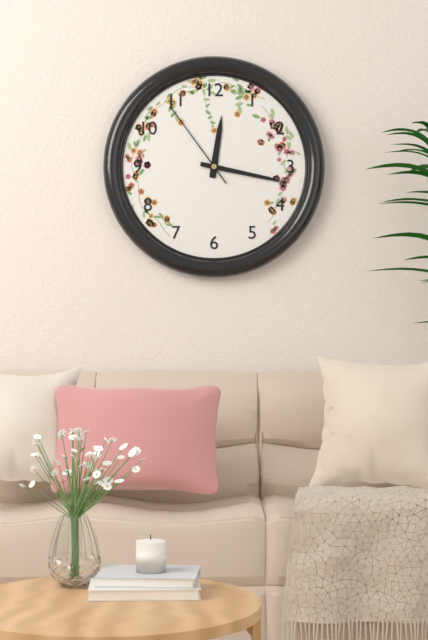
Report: {"hour": 12, "minute": 17, "second": 54}
